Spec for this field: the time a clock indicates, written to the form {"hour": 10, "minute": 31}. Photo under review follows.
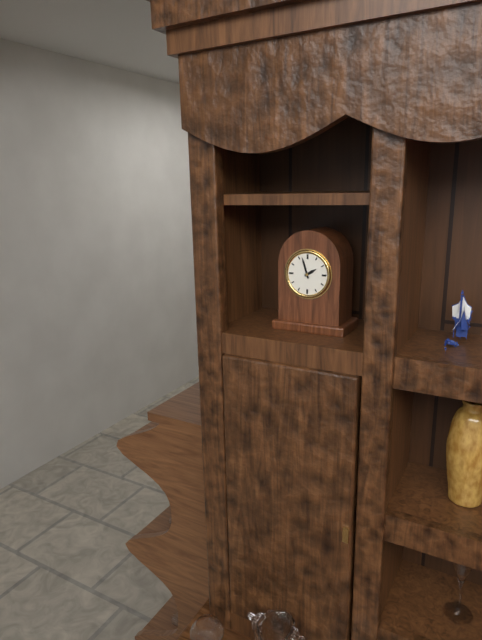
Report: {"hour": 1, "minute": 57}
